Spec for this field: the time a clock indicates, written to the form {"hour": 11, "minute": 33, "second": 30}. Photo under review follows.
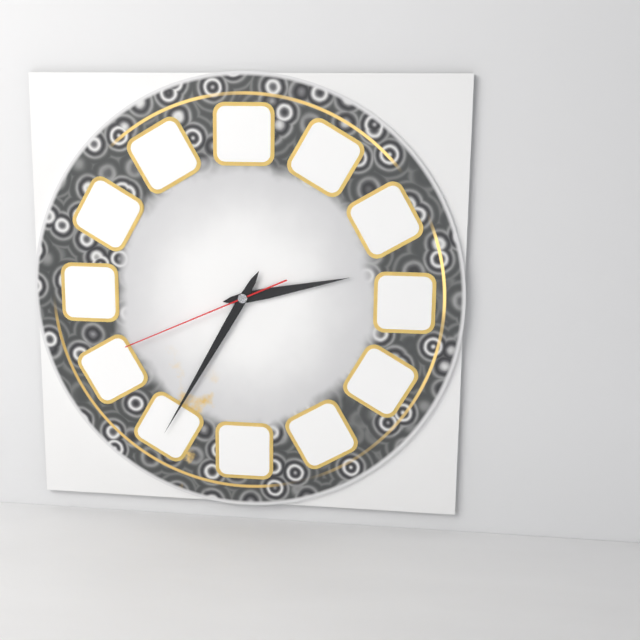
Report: {"hour": 2, "minute": 35, "second": 41}
